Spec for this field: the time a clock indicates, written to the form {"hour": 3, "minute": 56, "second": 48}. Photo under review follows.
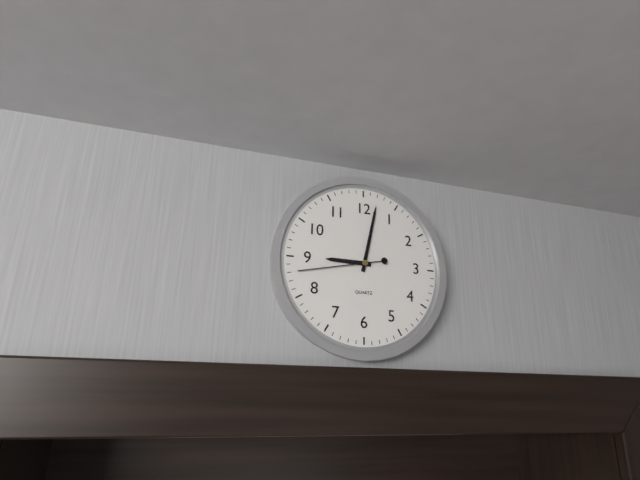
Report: {"hour": 9, "minute": 2, "second": 43}
